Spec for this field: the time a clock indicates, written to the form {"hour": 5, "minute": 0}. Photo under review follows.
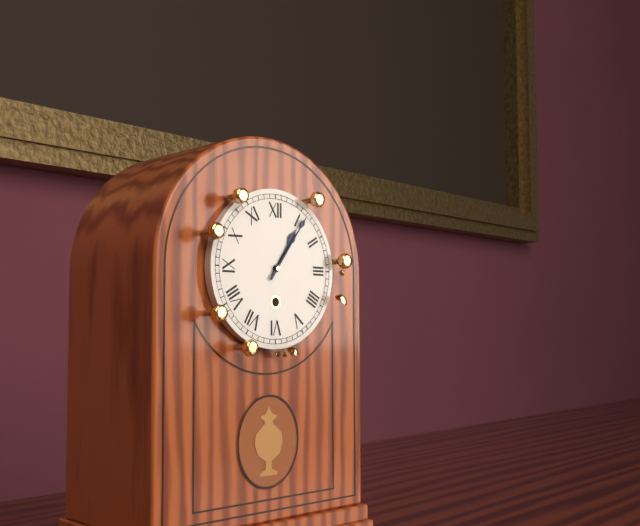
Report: {"hour": 1, "minute": 6}
